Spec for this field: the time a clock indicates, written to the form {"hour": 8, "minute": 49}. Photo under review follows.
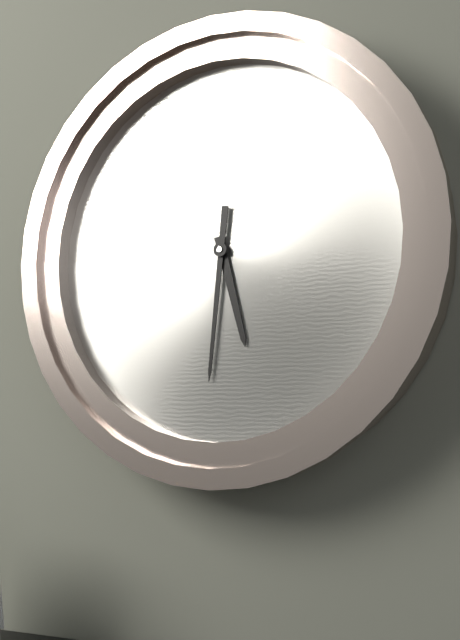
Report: {"hour": 5, "minute": 31}
